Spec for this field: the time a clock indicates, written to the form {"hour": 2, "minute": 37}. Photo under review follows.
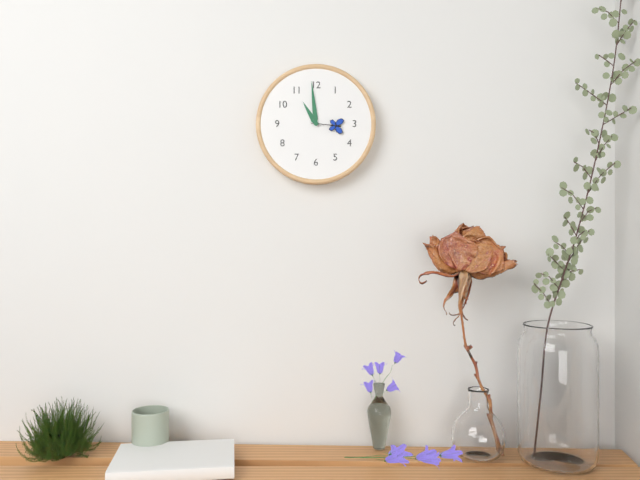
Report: {"hour": 10, "minute": 59}
